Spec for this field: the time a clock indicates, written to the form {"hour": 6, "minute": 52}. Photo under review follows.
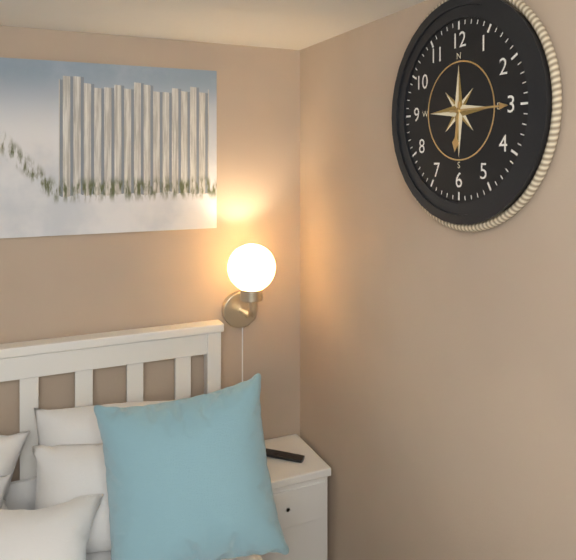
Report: {"hour": 6, "minute": 15}
